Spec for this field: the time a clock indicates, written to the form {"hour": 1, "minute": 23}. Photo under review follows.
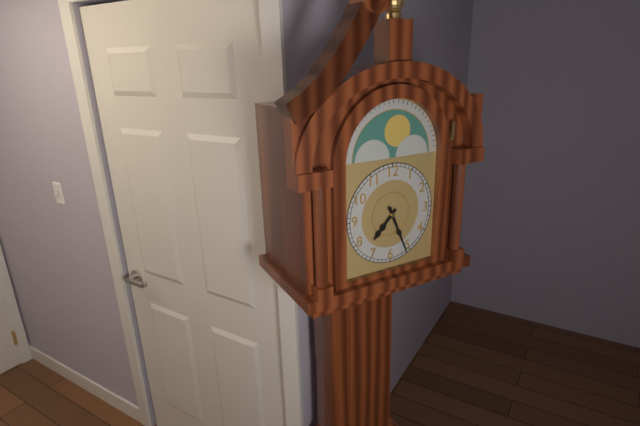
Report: {"hour": 7, "minute": 26}
